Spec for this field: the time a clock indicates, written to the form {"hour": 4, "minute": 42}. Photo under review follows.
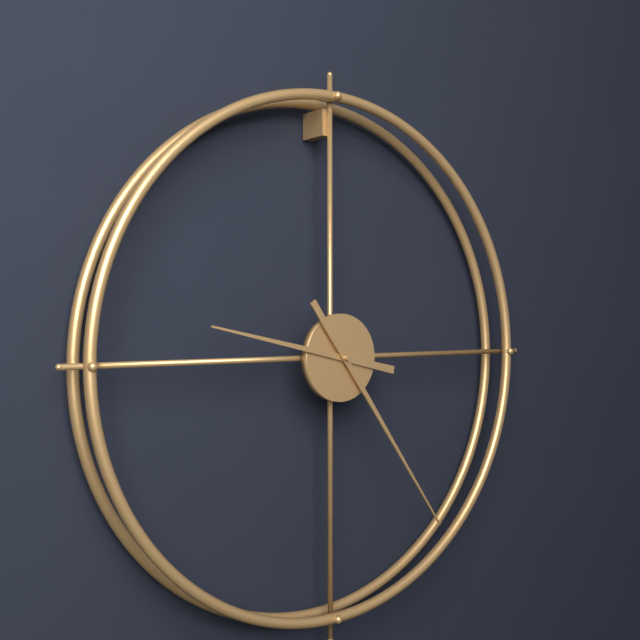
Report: {"hour": 9, "minute": 24}
